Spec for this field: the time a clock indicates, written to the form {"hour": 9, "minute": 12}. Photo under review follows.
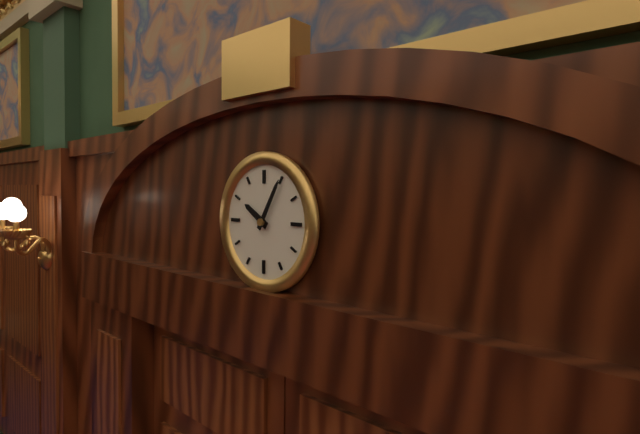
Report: {"hour": 10, "minute": 5}
